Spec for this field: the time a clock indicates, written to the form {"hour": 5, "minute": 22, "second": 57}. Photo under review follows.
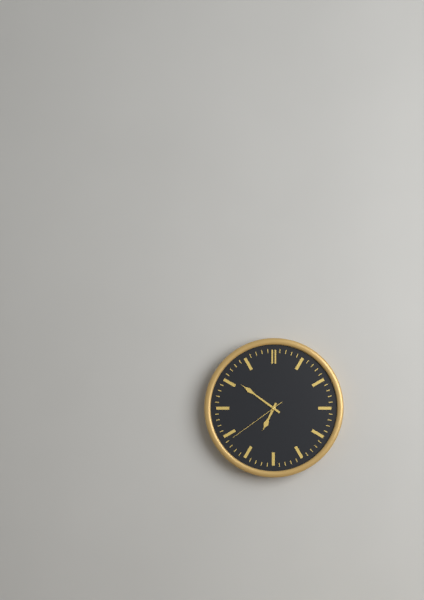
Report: {"hour": 6, "minute": 51, "second": 39}
